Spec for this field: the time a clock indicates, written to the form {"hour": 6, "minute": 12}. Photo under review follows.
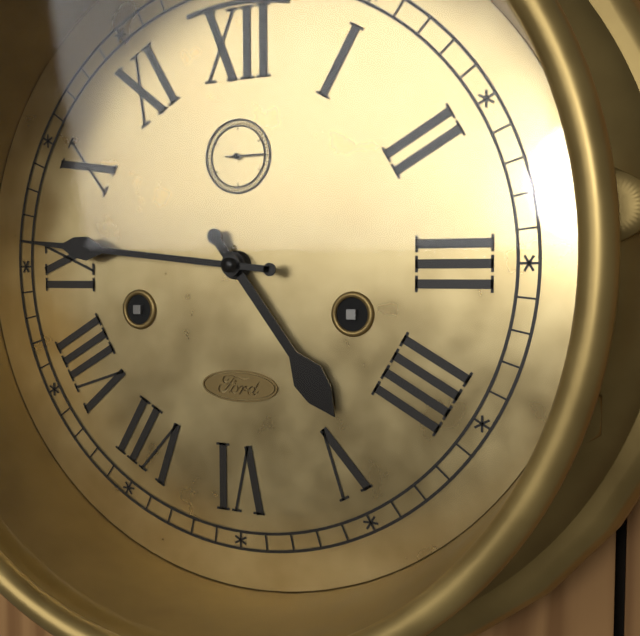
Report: {"hour": 4, "minute": 46}
